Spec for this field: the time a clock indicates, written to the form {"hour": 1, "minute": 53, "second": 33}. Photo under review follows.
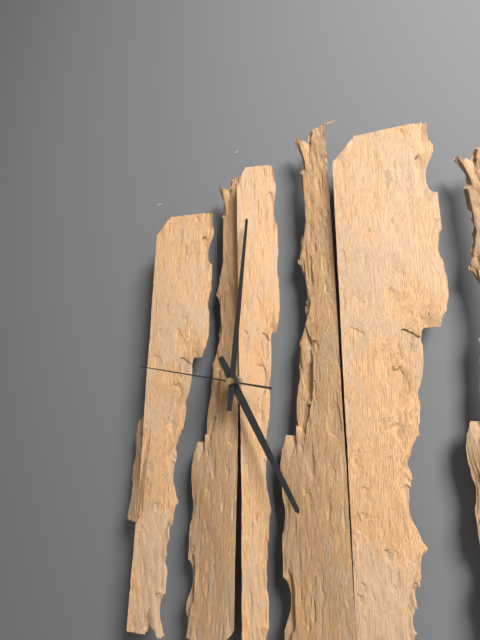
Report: {"hour": 5, "minute": 1, "second": 47}
